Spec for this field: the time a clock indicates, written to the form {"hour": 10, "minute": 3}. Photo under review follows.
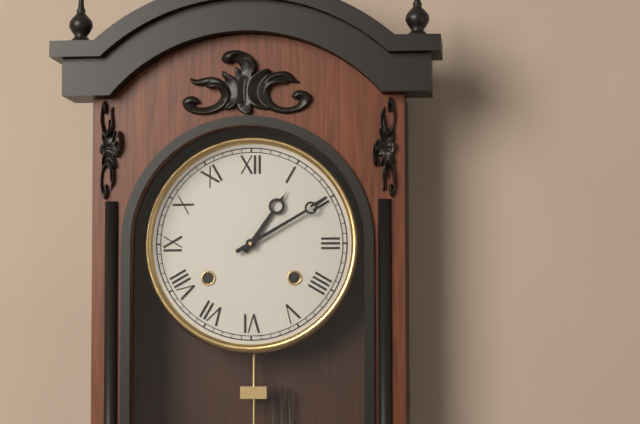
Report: {"hour": 1, "minute": 10}
